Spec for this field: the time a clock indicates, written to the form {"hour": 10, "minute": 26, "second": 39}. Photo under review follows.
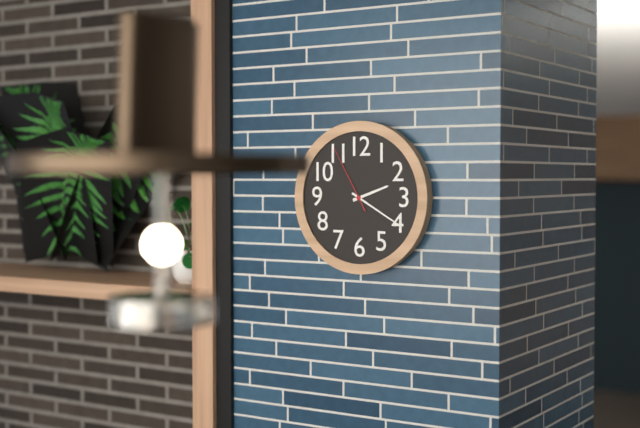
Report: {"hour": 2, "minute": 20, "second": 55}
